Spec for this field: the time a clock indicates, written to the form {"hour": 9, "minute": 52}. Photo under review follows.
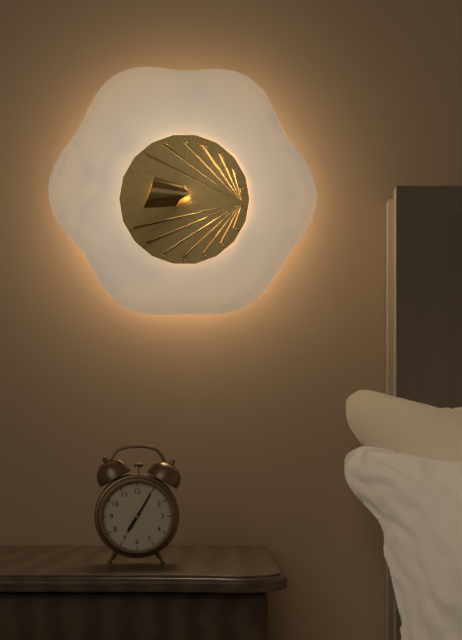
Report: {"hour": 7, "minute": 5}
